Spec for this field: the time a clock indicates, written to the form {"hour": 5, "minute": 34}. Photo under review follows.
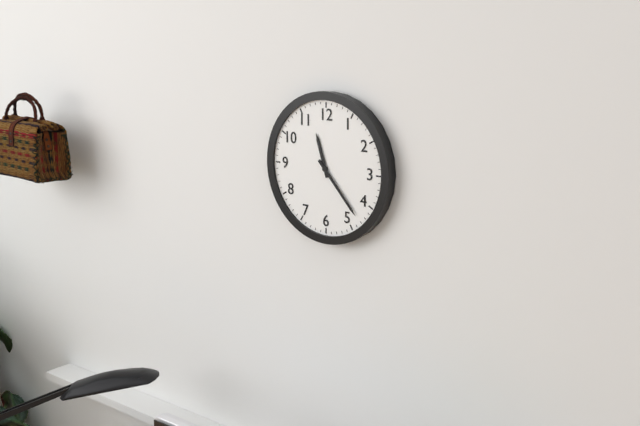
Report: {"hour": 11, "minute": 23}
